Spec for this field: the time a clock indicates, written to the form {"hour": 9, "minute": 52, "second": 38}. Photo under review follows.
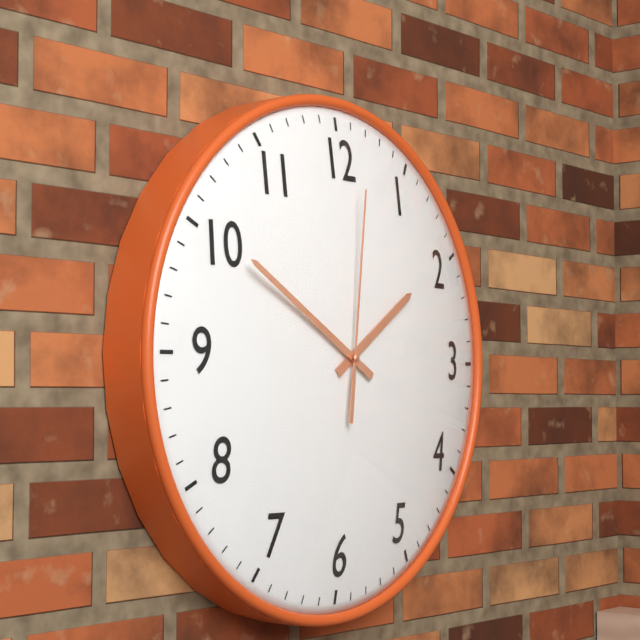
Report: {"hour": 1, "minute": 50, "second": 1}
